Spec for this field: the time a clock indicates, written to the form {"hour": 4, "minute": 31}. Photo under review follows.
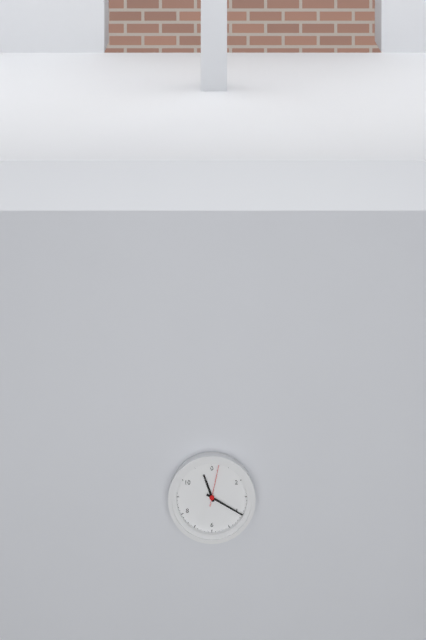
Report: {"hour": 11, "minute": 20}
